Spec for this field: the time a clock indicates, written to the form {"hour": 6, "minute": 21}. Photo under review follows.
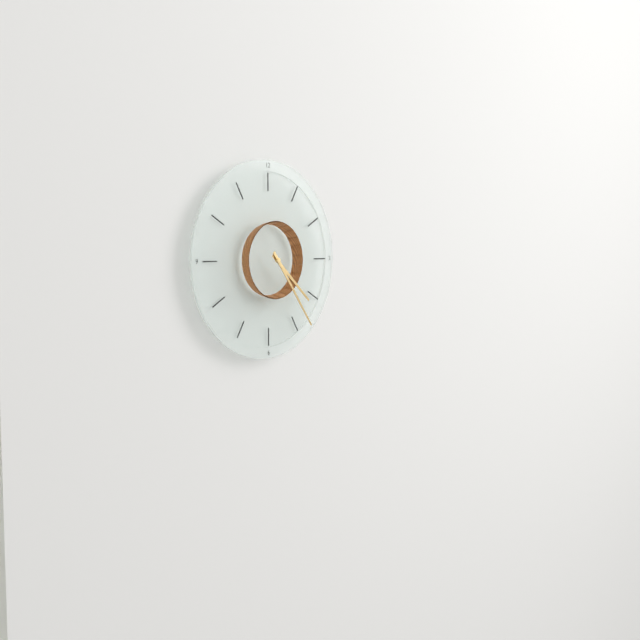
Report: {"hour": 4, "minute": 24}
